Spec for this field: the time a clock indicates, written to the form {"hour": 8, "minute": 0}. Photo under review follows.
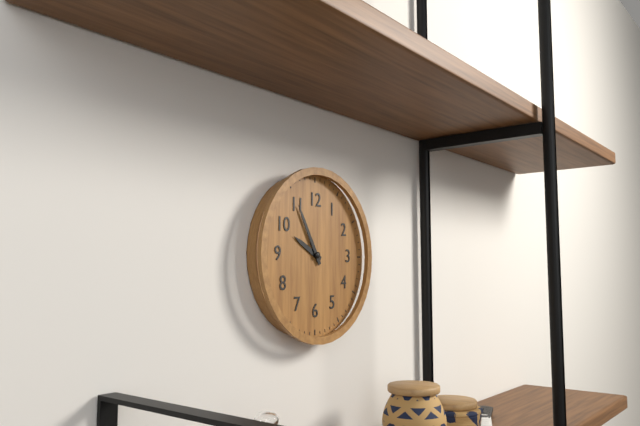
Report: {"hour": 9, "minute": 55}
